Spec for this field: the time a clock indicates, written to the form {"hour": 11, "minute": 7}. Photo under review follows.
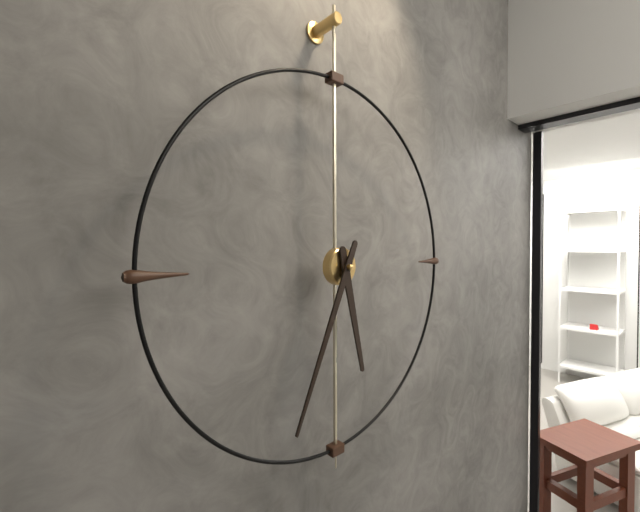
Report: {"hour": 5, "minute": 34}
